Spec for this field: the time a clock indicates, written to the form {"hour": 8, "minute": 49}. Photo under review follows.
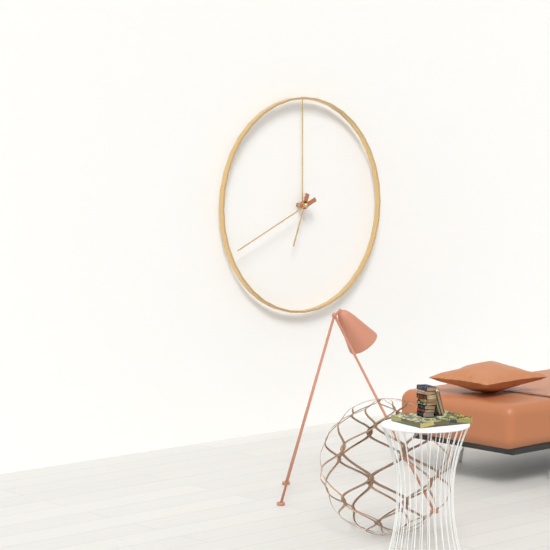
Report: {"hour": 6, "minute": 41}
